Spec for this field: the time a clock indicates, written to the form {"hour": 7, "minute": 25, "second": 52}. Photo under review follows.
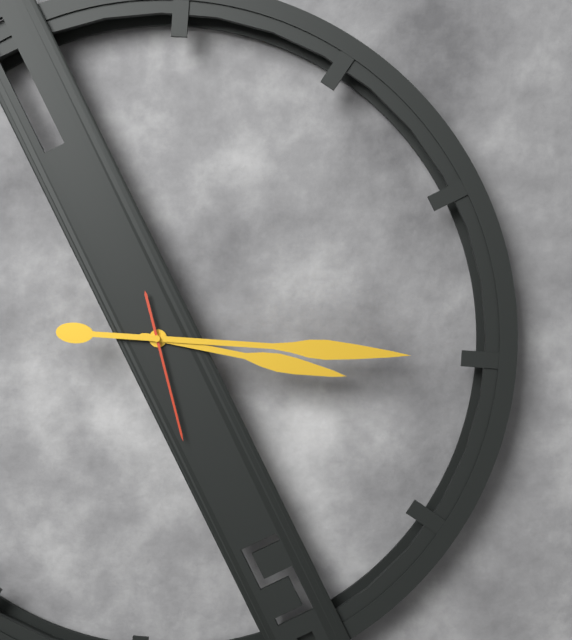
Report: {"hour": 3, "minute": 15, "second": 27}
